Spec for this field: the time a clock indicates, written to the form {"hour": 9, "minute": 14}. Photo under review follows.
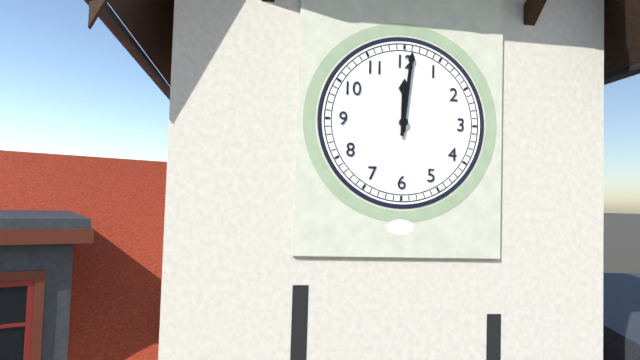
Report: {"hour": 12, "minute": 1}
